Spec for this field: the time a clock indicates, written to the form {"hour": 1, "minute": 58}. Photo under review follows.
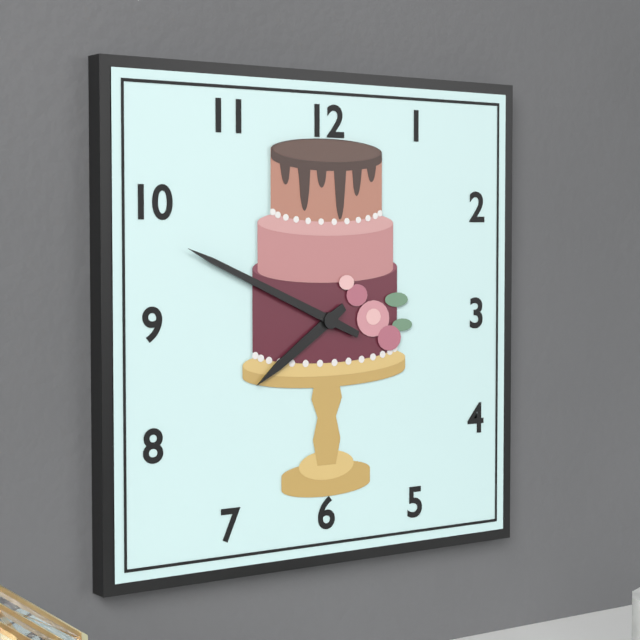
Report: {"hour": 7, "minute": 49}
